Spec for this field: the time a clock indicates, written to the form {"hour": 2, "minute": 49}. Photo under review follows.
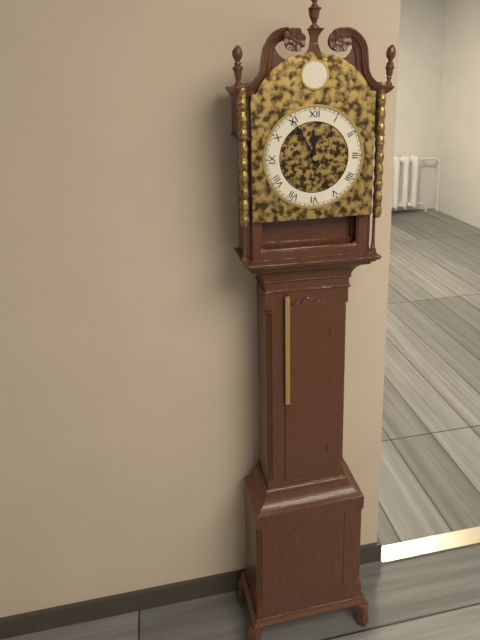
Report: {"hour": 11, "minute": 55}
